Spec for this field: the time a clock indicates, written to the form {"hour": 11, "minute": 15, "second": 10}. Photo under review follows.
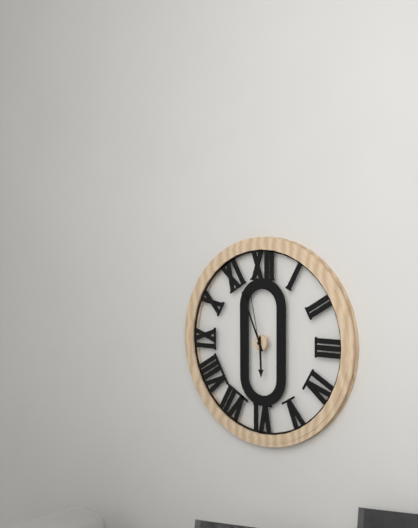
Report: {"hour": 5, "minute": 56, "second": 58}
